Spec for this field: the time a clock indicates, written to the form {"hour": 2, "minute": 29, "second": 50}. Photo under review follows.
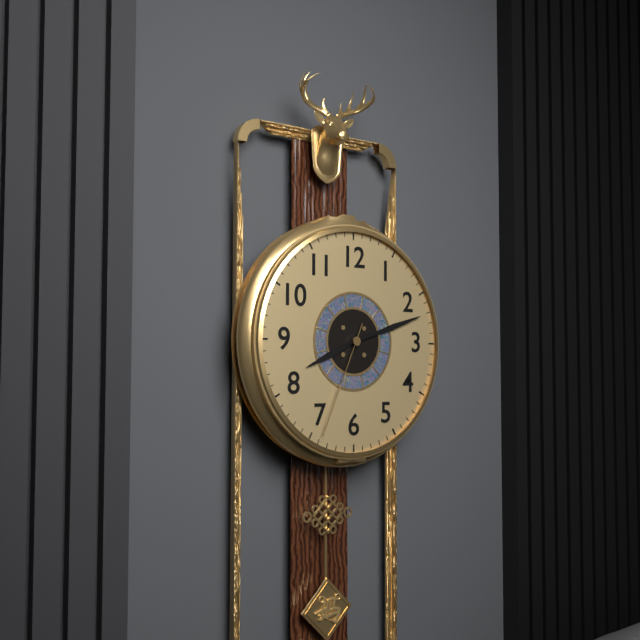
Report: {"hour": 8, "minute": 12, "second": 34}
